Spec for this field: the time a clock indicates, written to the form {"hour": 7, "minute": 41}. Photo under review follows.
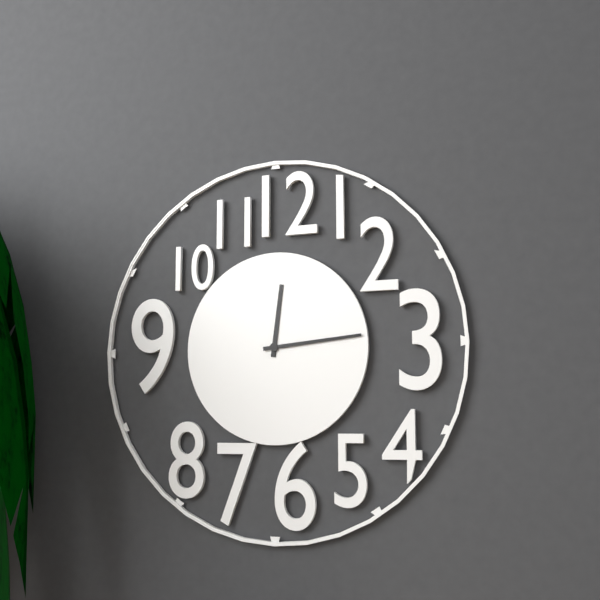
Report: {"hour": 12, "minute": 14}
